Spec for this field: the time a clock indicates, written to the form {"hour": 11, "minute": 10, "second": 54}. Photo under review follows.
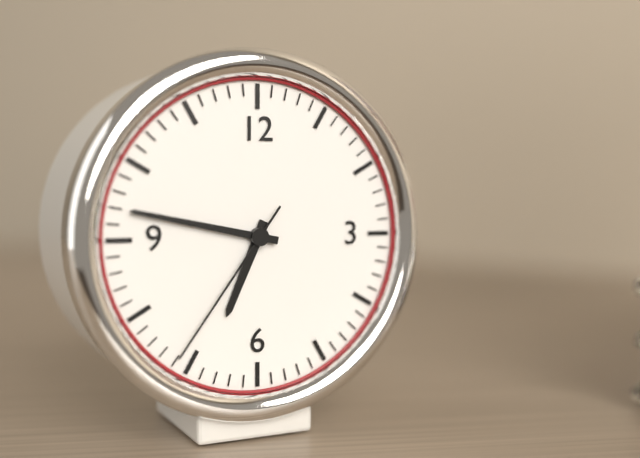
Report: {"hour": 6, "minute": 47, "second": 36}
